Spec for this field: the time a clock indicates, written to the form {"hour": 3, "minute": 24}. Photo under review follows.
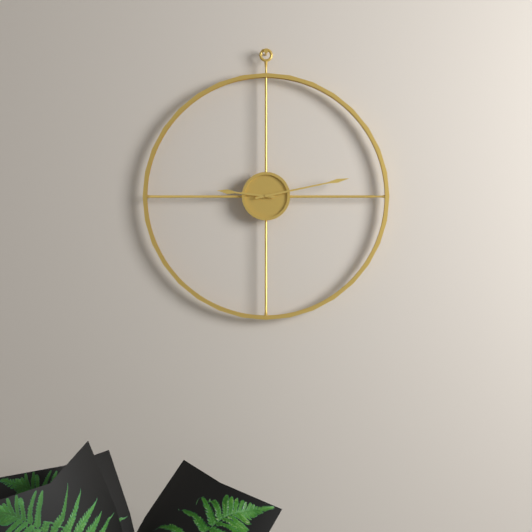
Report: {"hour": 9, "minute": 13}
